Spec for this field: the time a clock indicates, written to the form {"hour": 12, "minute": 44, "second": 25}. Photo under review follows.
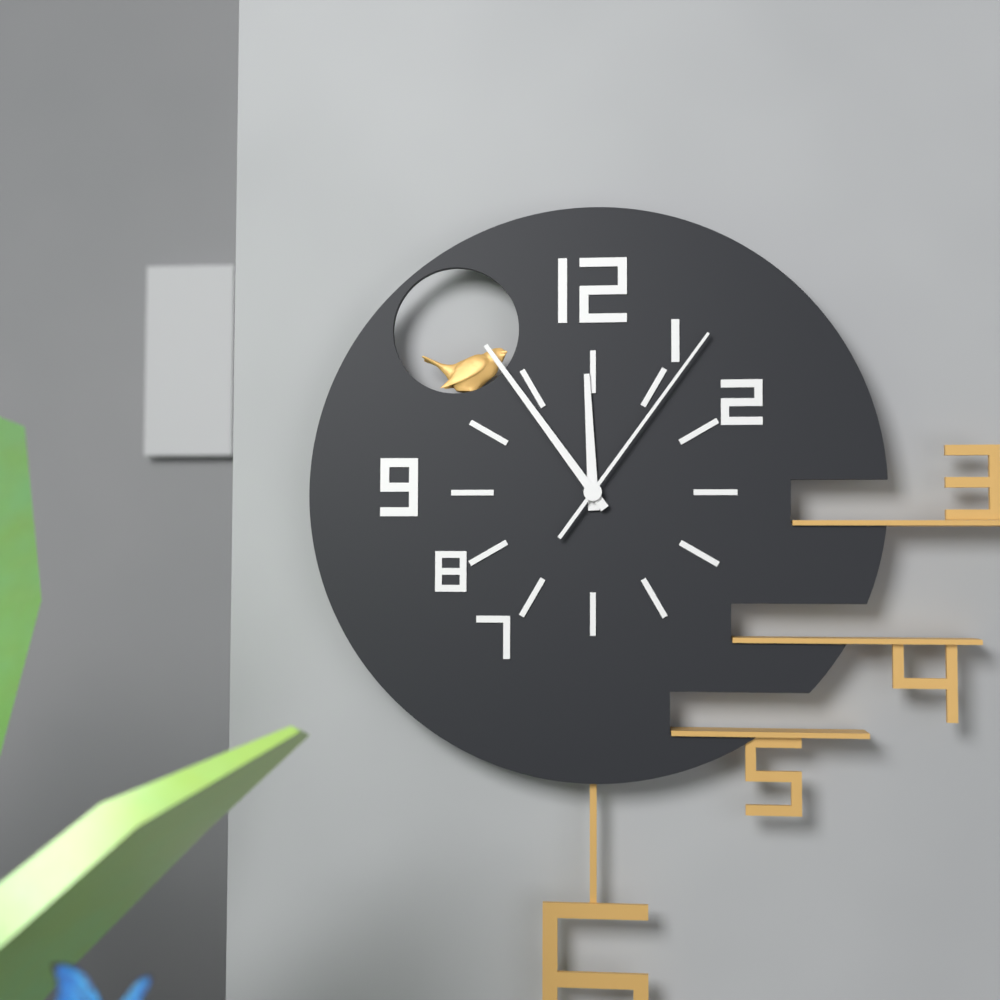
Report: {"hour": 11, "minute": 54, "second": 6}
